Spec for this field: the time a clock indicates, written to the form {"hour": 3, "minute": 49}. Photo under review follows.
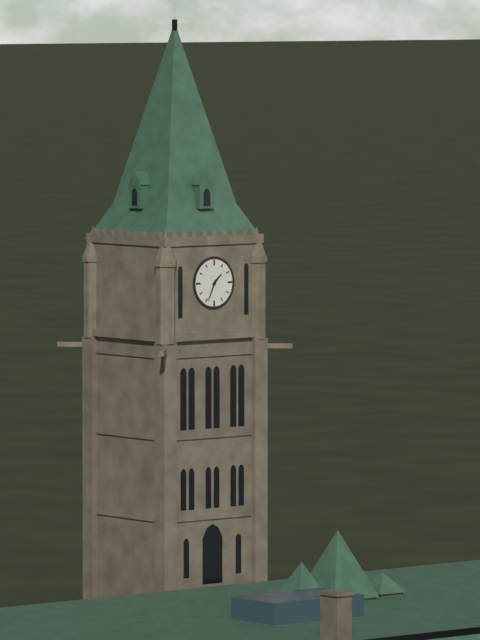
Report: {"hour": 1, "minute": 34}
